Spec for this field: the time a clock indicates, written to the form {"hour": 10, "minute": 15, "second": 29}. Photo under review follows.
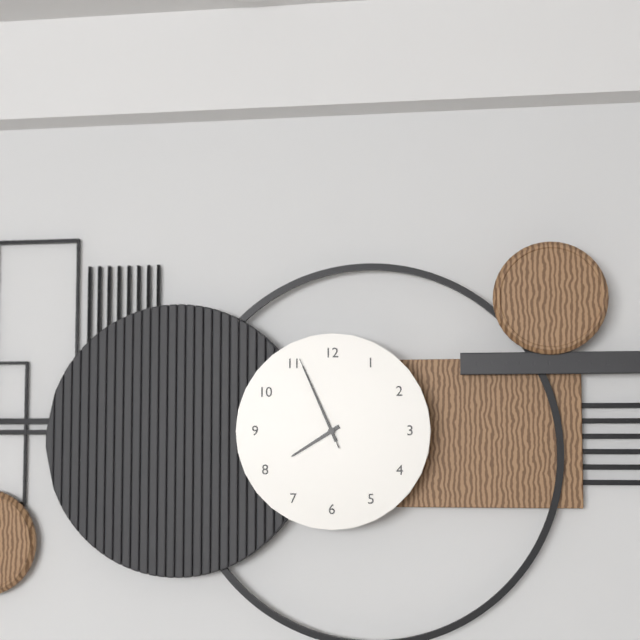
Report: {"hour": 7, "minute": 56, "second": 56}
